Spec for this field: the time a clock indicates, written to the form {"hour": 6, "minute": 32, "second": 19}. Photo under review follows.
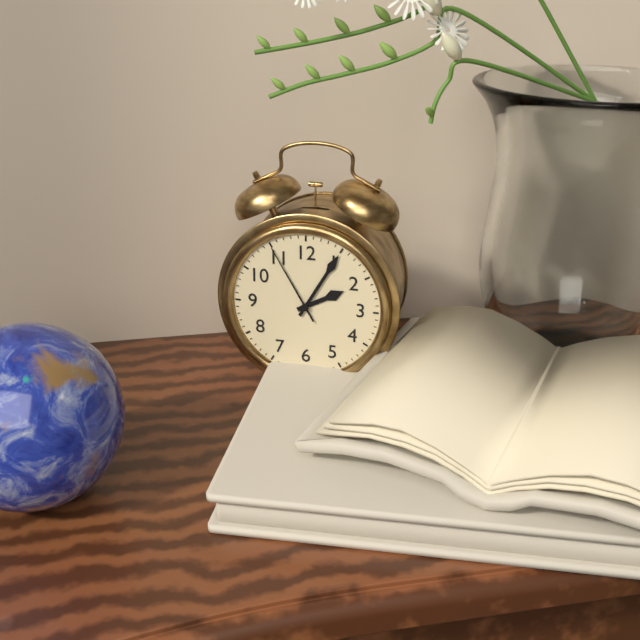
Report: {"hour": 2, "minute": 5, "second": 55}
